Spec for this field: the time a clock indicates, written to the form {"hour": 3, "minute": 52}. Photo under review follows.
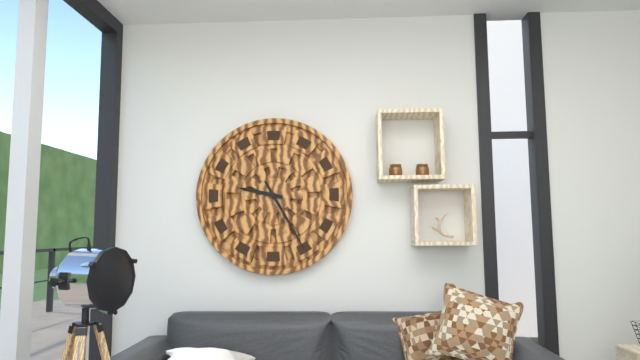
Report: {"hour": 9, "minute": 25}
